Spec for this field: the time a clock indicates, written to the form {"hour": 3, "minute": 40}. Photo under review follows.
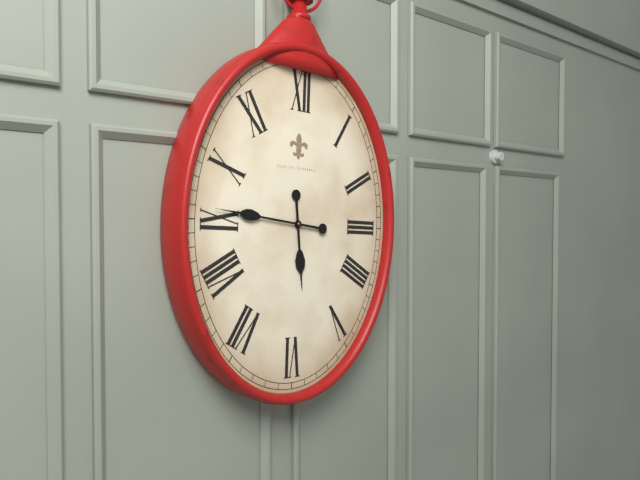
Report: {"hour": 5, "minute": 46}
